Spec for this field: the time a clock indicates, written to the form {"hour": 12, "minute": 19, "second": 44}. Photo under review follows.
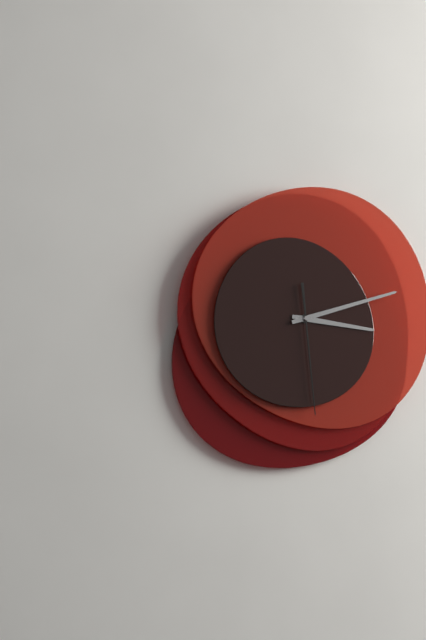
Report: {"hour": 3, "minute": 12, "second": 29}
